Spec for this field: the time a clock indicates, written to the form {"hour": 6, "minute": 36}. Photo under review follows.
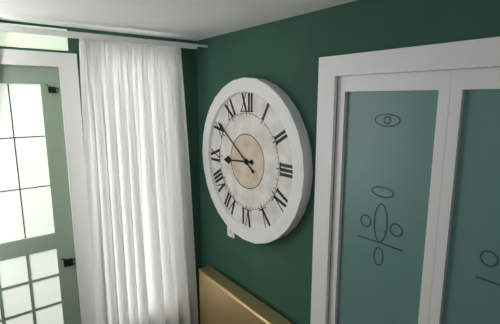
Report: {"hour": 8, "minute": 51}
